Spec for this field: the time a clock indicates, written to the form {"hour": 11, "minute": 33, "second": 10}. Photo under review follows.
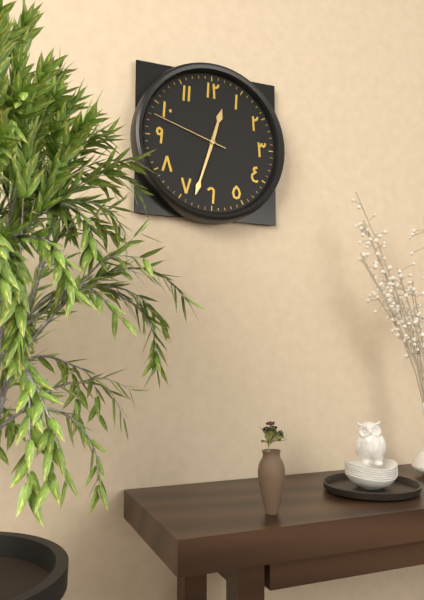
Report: {"hour": 12, "minute": 33, "second": 48}
